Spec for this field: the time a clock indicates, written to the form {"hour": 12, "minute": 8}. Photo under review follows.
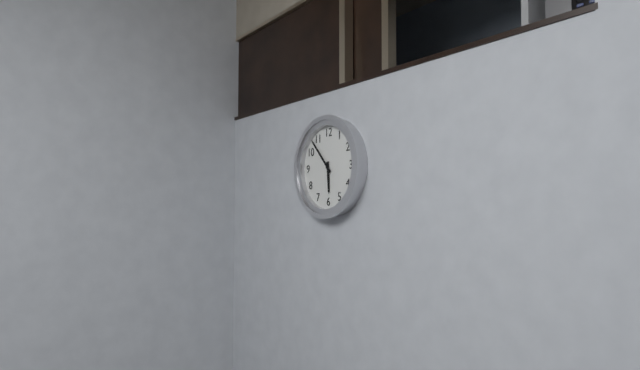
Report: {"hour": 5, "minute": 53}
